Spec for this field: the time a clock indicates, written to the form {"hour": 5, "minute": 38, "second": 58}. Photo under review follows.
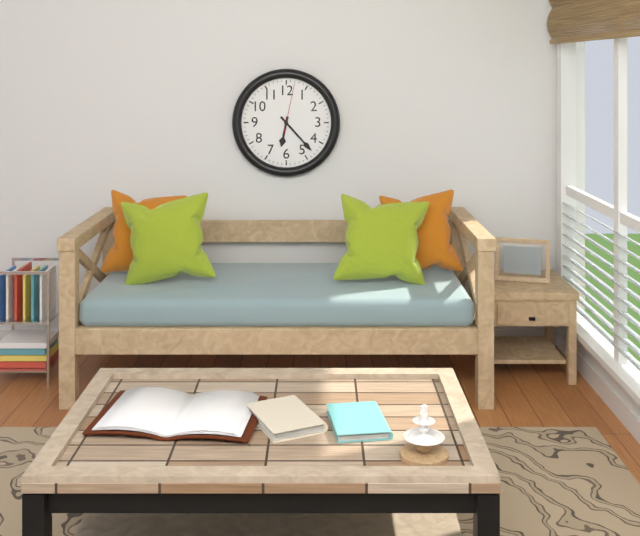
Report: {"hour": 6, "minute": 23, "second": 2}
